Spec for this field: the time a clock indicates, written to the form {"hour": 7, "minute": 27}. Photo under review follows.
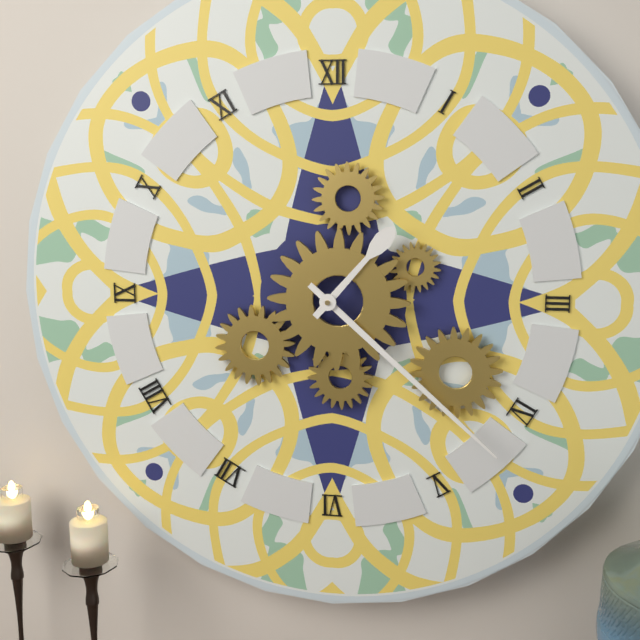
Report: {"hour": 1, "minute": 22}
